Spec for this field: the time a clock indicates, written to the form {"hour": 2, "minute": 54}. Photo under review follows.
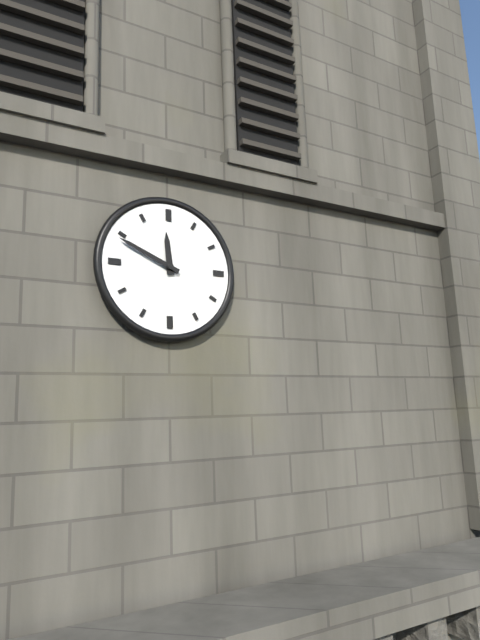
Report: {"hour": 11, "minute": 49}
